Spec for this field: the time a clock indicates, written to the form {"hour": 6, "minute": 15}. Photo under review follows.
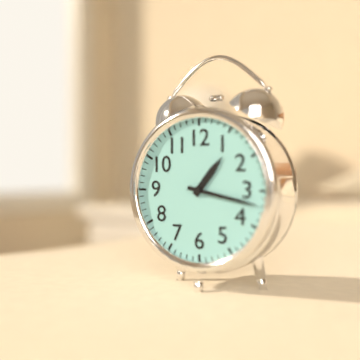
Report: {"hour": 1, "minute": 17}
